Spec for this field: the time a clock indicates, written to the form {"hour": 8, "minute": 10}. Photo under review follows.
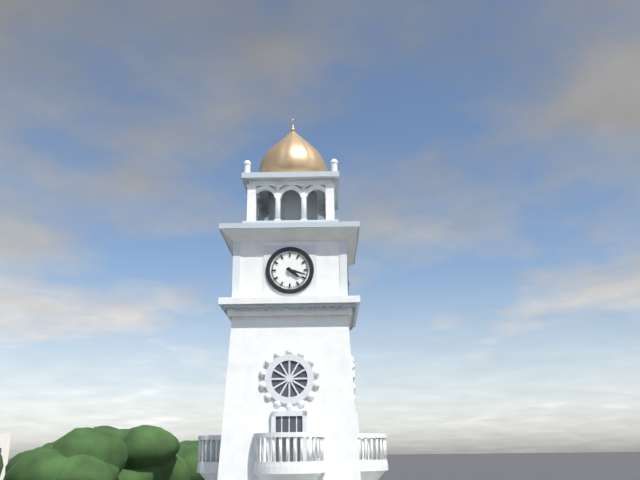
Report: {"hour": 4, "minute": 18}
